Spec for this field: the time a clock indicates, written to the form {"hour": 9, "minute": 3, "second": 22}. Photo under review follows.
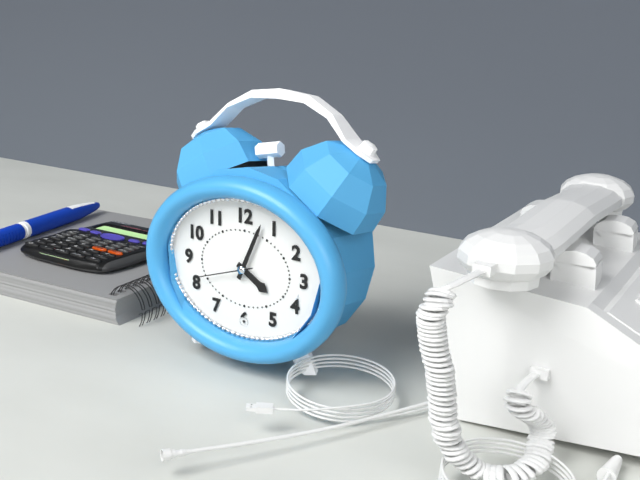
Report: {"hour": 4, "minute": 4, "second": 42}
